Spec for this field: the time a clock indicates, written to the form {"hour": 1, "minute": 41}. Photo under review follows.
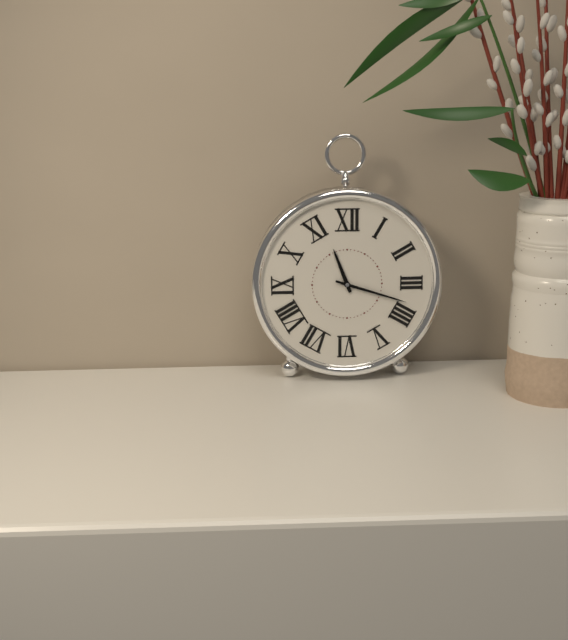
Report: {"hour": 11, "minute": 18}
